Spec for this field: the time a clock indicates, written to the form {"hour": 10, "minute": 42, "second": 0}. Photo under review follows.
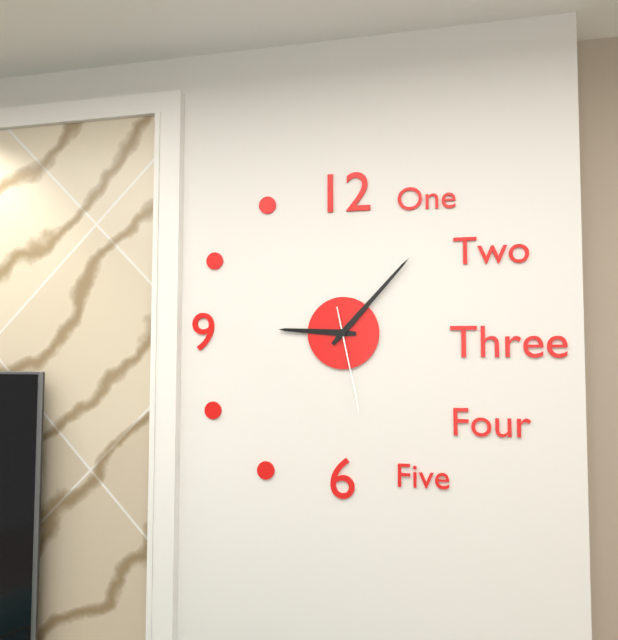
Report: {"hour": 9, "minute": 7, "second": 28}
